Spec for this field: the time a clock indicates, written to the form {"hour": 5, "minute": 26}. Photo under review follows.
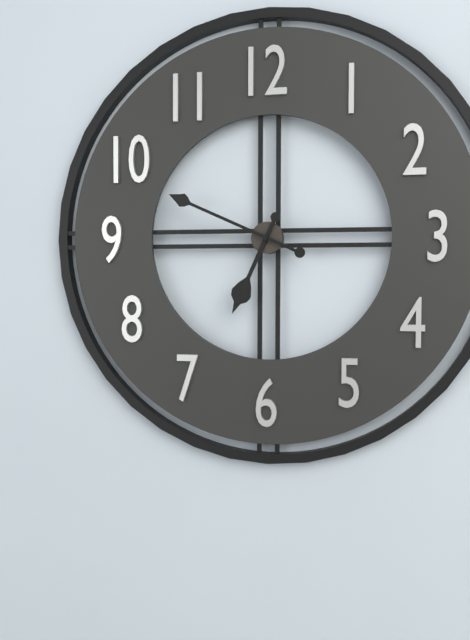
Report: {"hour": 6, "minute": 49}
